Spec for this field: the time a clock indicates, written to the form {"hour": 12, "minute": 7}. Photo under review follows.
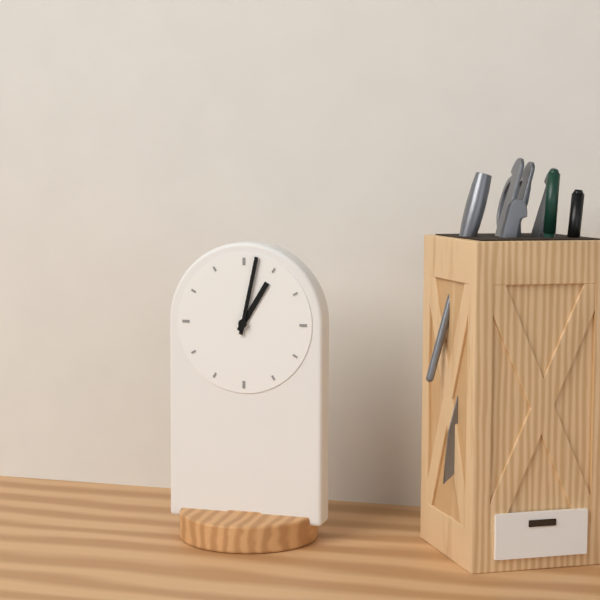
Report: {"hour": 1, "minute": 2}
